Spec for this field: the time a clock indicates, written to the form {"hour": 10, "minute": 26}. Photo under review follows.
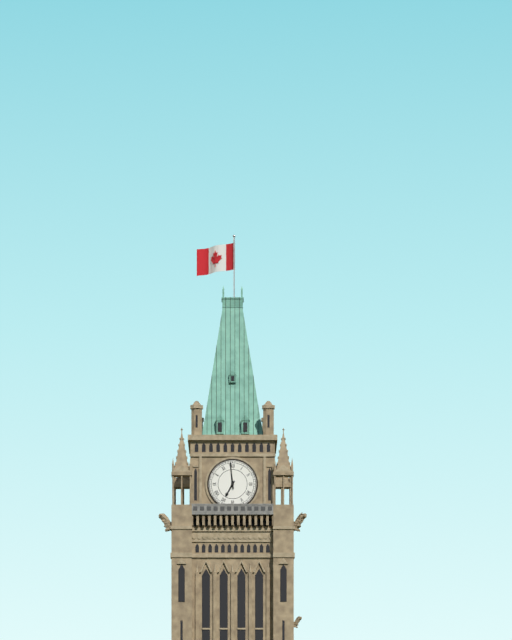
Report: {"hour": 6, "minute": 59}
